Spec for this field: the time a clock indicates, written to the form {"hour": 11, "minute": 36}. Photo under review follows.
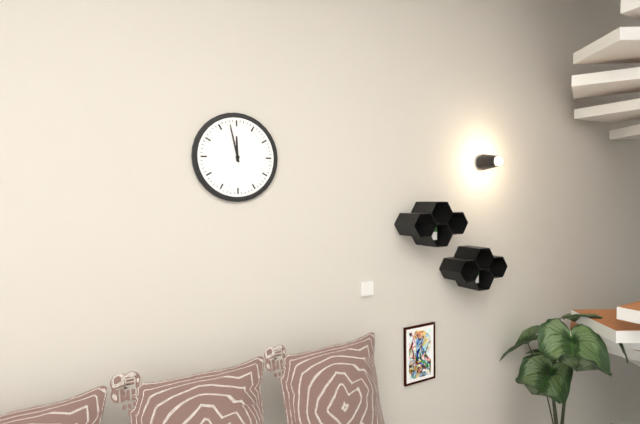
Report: {"hour": 11, "minute": 58}
